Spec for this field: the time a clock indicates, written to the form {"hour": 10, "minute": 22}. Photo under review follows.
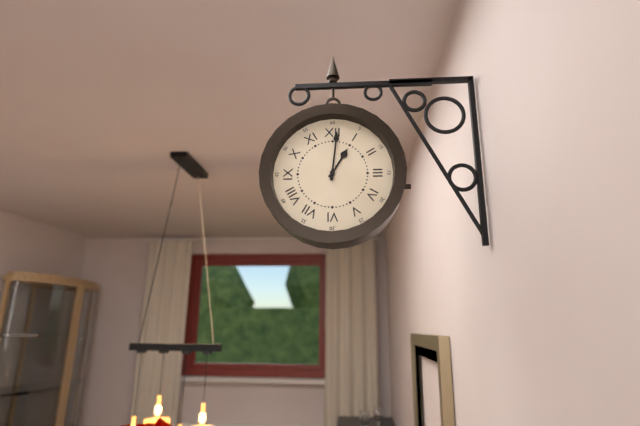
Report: {"hour": 1, "minute": 1}
